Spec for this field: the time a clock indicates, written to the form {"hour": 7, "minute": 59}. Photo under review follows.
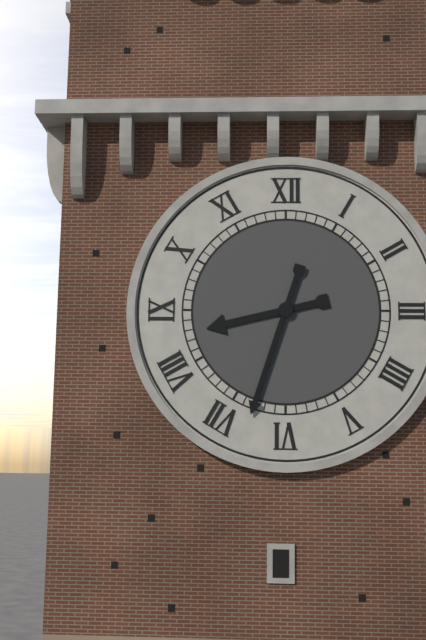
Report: {"hour": 8, "minute": 33}
